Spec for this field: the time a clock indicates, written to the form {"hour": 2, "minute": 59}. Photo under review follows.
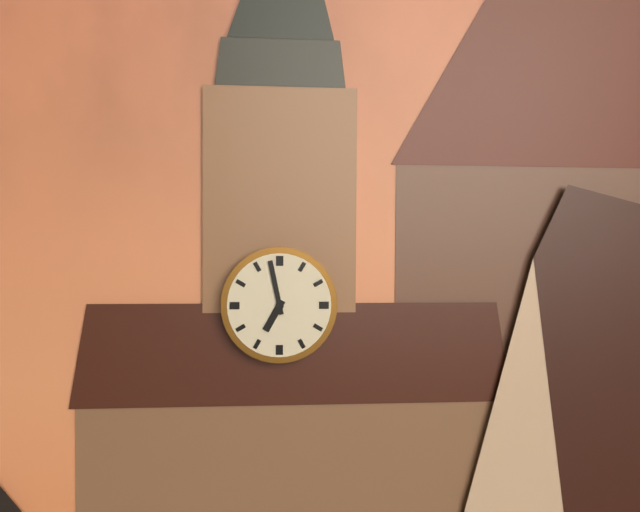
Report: {"hour": 6, "minute": 58}
